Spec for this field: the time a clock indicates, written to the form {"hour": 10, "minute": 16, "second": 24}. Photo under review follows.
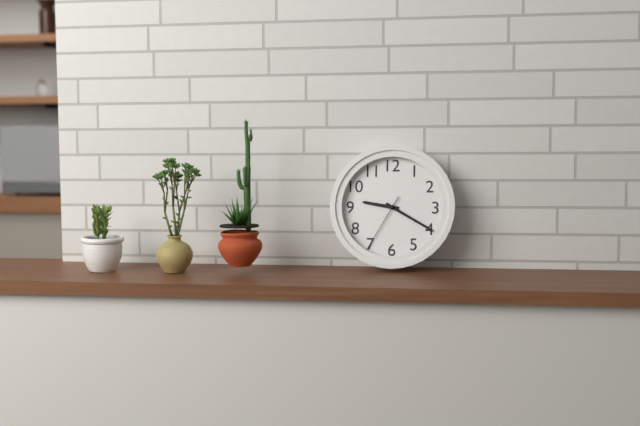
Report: {"hour": 9, "minute": 20, "second": 35}
